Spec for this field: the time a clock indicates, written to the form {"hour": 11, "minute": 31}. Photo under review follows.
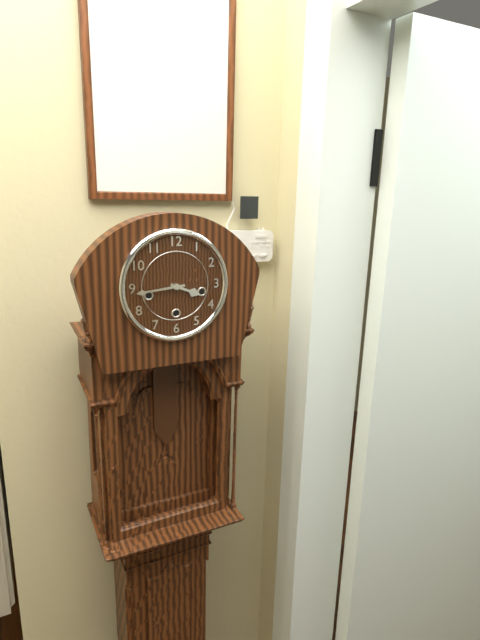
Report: {"hour": 3, "minute": 44}
